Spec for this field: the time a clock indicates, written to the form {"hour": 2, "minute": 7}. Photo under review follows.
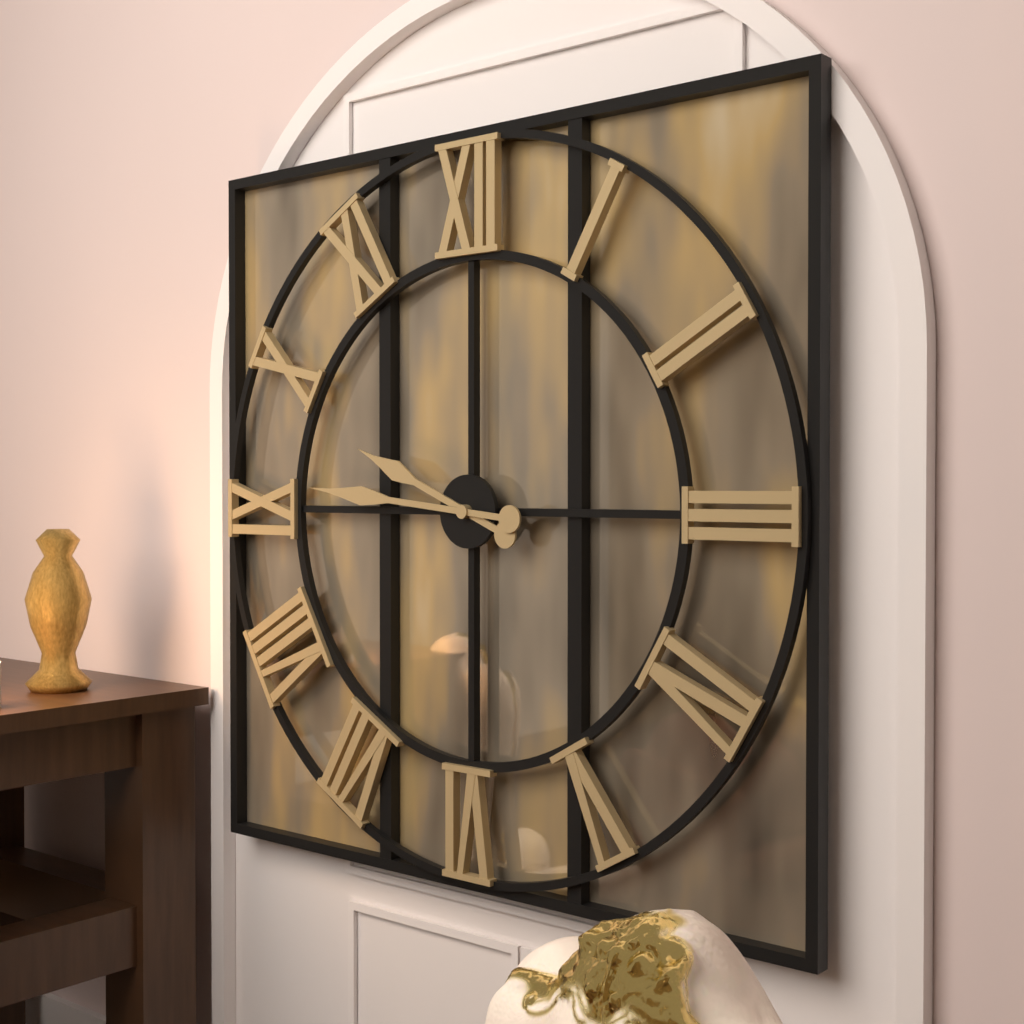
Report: {"hour": 9, "minute": 46}
